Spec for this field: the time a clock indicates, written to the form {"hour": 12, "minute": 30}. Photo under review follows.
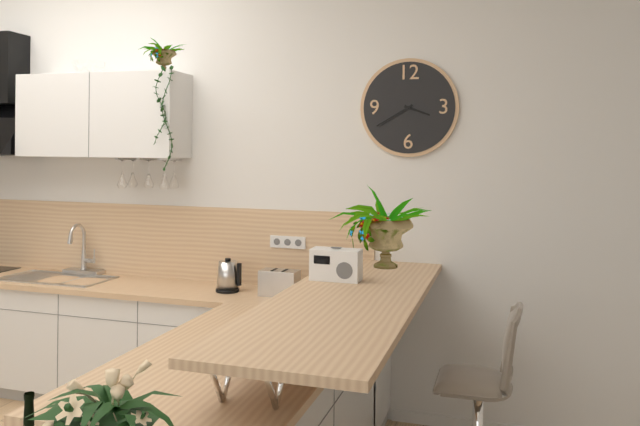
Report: {"hour": 3, "minute": 40}
